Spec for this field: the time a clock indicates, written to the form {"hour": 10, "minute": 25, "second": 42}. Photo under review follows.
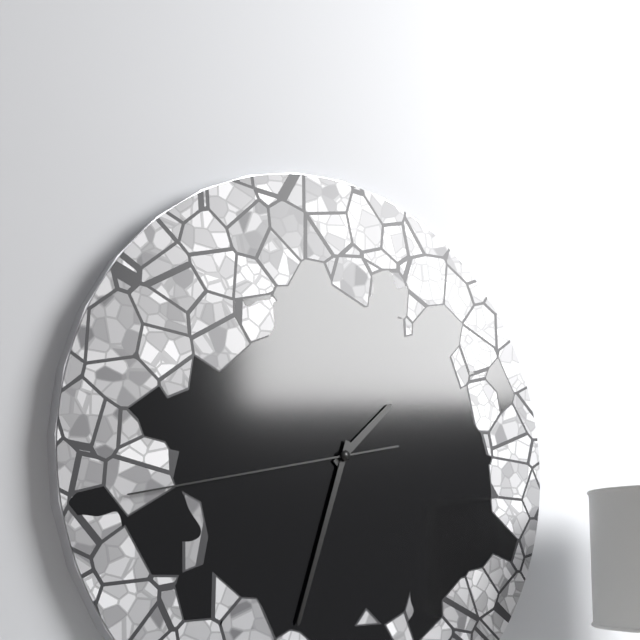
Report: {"hour": 1, "minute": 33, "second": 43}
